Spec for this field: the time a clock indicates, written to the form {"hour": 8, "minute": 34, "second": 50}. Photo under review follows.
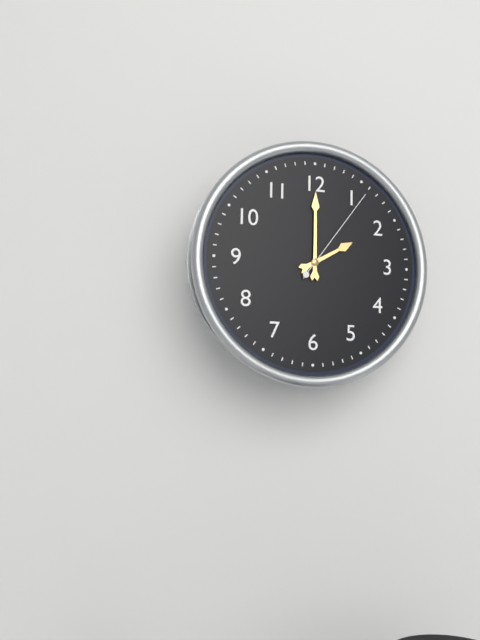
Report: {"hour": 2, "minute": 0, "second": 6}
